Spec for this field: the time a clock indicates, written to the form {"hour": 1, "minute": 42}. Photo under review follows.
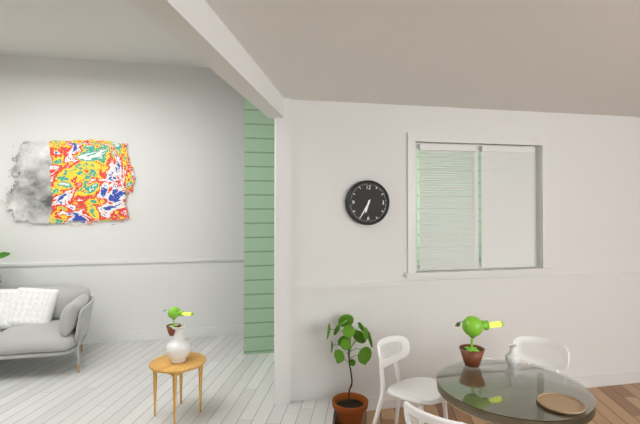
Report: {"hour": 6, "minute": 35}
